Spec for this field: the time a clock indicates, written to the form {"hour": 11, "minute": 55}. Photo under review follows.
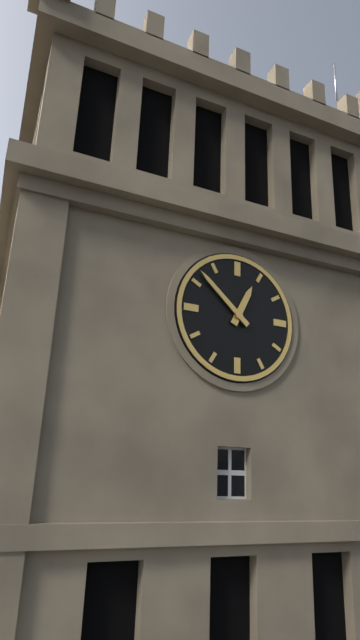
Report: {"hour": 12, "minute": 52}
